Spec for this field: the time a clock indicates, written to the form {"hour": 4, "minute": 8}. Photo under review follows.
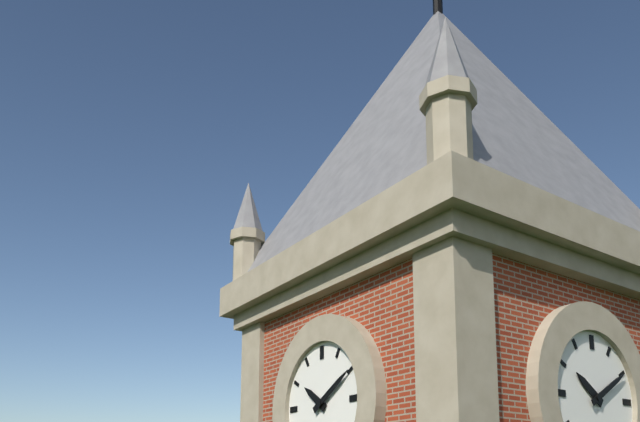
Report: {"hour": 10, "minute": 10}
